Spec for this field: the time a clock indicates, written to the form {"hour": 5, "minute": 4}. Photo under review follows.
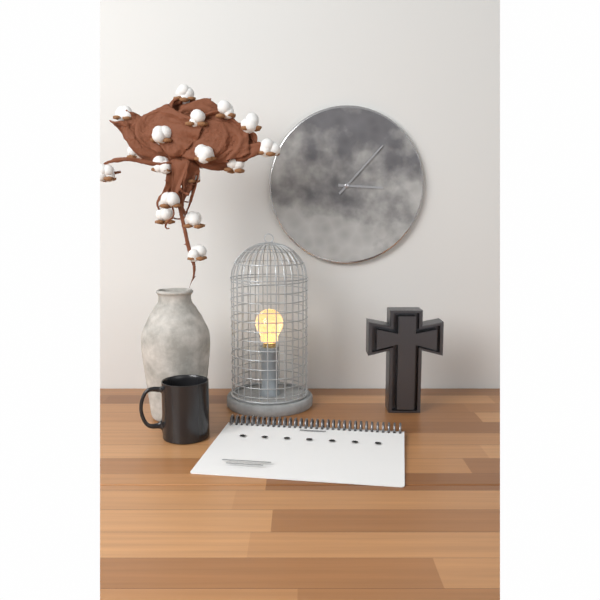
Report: {"hour": 3, "minute": 7}
